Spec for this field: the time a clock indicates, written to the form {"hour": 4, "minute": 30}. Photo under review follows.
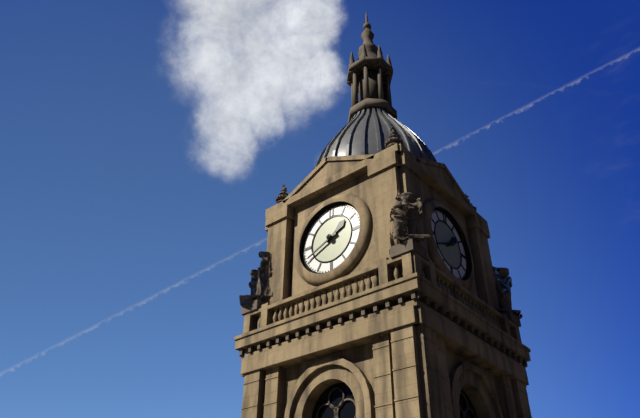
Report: {"hour": 1, "minute": 41}
